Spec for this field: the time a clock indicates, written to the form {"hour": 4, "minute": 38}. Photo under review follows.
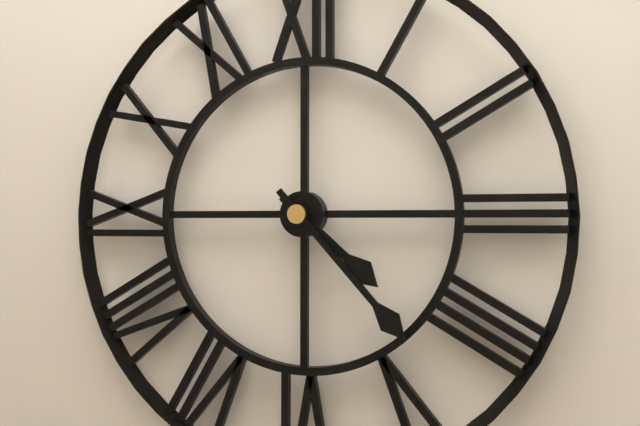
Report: {"hour": 4, "minute": 23}
